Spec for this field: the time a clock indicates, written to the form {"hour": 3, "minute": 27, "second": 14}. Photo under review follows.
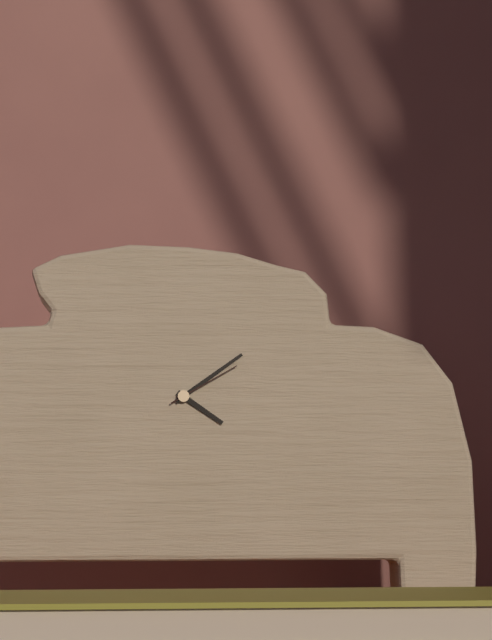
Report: {"hour": 4, "minute": 9, "second": 10}
